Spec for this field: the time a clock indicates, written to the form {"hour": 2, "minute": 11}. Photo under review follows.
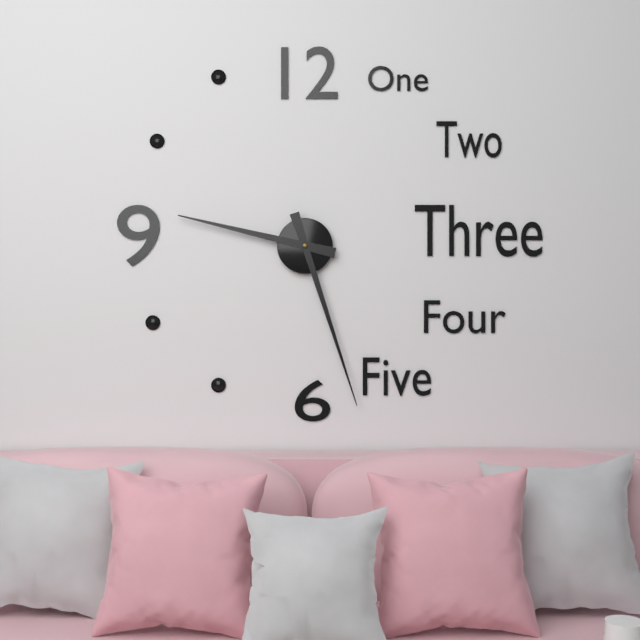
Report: {"hour": 9, "minute": 27}
